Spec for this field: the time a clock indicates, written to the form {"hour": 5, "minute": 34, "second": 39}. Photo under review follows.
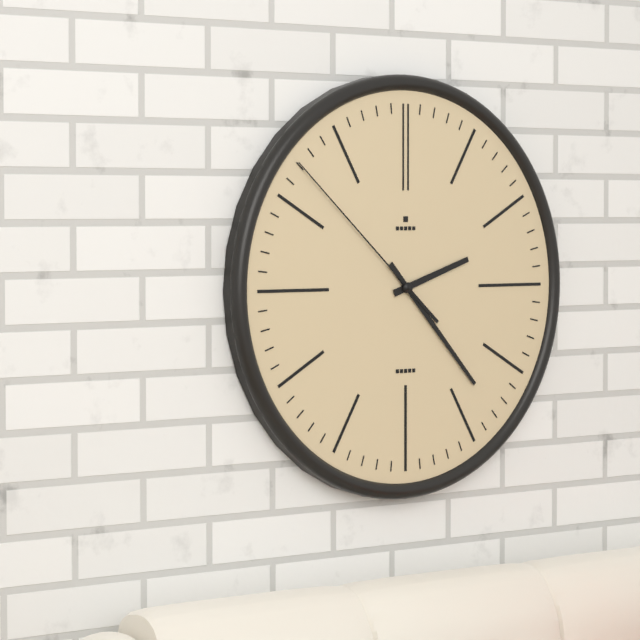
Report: {"hour": 2, "minute": 23, "second": 52}
